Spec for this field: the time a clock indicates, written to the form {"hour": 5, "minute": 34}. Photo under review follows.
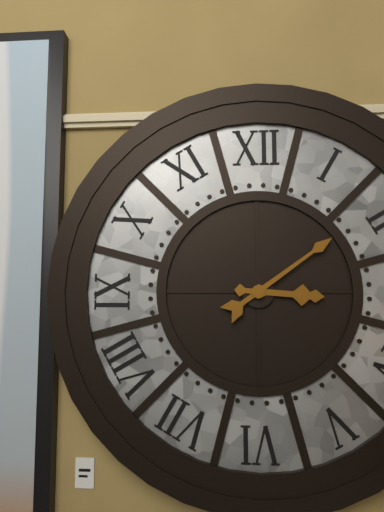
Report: {"hour": 3, "minute": 9}
